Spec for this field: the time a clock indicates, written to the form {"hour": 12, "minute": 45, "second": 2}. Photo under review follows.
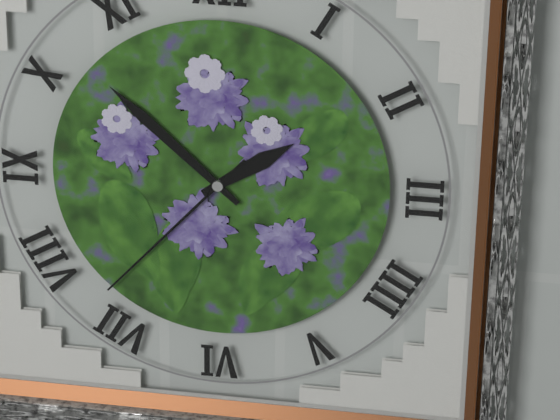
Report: {"hour": 1, "minute": 52, "second": 37}
